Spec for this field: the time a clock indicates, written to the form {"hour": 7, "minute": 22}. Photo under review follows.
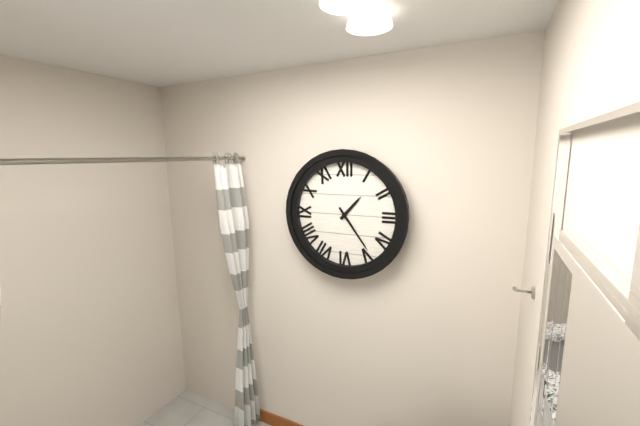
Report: {"hour": 1, "minute": 24}
